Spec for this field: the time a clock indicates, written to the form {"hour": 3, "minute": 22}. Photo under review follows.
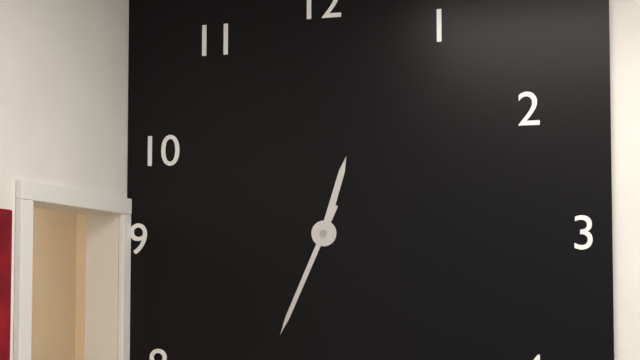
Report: {"hour": 12, "minute": 34}
